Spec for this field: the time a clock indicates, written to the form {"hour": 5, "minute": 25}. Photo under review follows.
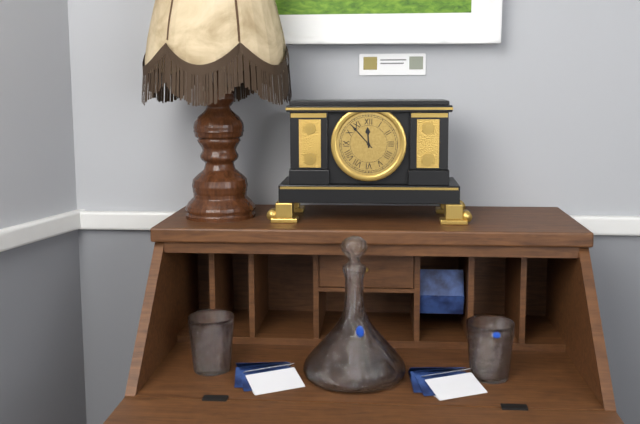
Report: {"hour": 11, "minute": 53}
